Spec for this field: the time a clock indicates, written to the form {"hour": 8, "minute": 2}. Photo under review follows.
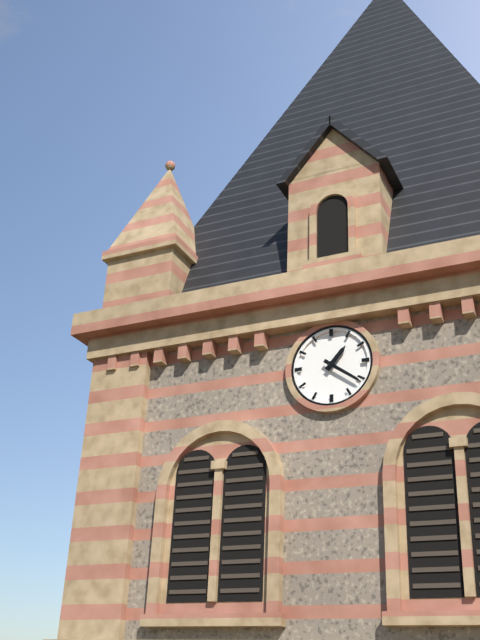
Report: {"hour": 1, "minute": 21}
